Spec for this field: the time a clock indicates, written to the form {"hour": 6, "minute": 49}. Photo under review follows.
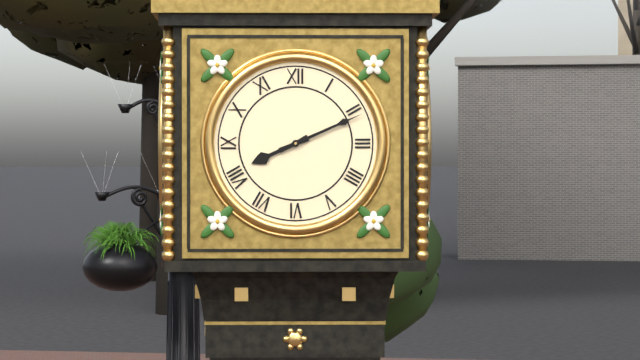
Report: {"hour": 8, "minute": 11}
